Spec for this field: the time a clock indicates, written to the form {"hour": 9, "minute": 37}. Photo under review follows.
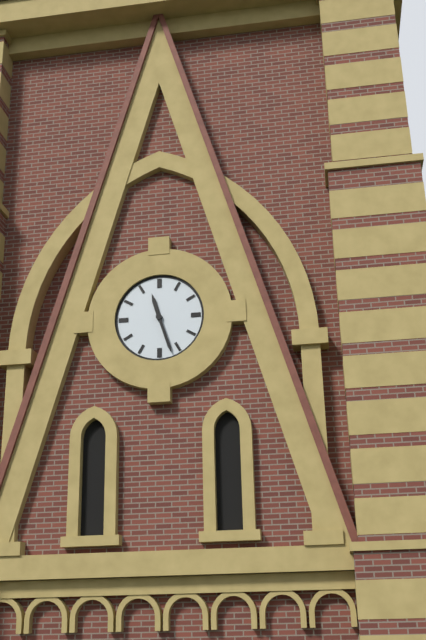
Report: {"hour": 11, "minute": 27}
